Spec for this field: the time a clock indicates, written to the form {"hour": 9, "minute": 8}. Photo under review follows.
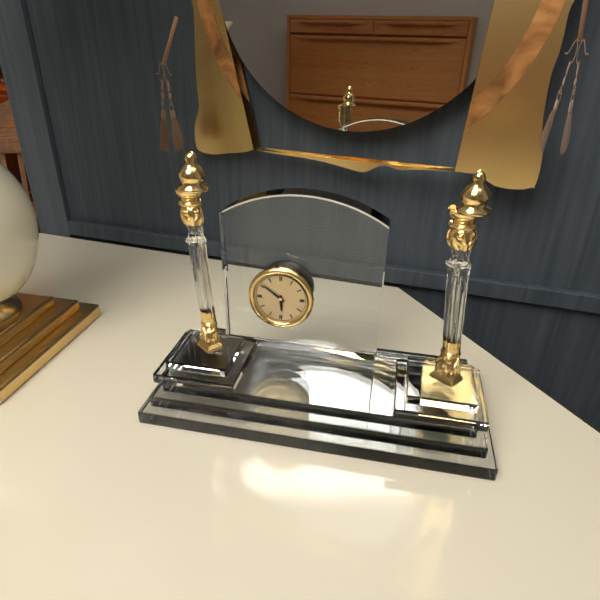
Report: {"hour": 5, "minute": 51}
